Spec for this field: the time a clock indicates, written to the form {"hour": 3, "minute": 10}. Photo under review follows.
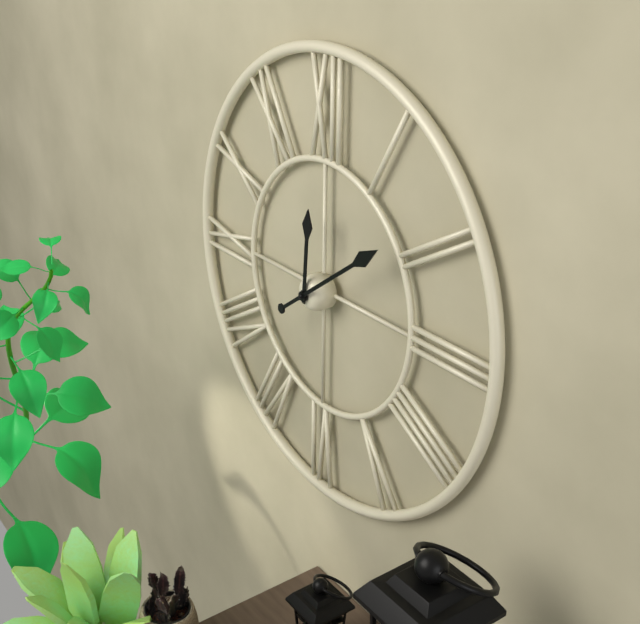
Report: {"hour": 12, "minute": 9}
